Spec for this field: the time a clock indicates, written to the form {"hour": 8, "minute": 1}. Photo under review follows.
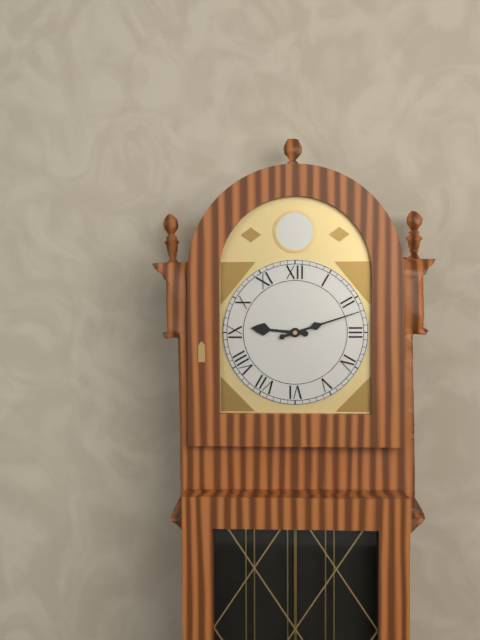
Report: {"hour": 9, "minute": 12}
